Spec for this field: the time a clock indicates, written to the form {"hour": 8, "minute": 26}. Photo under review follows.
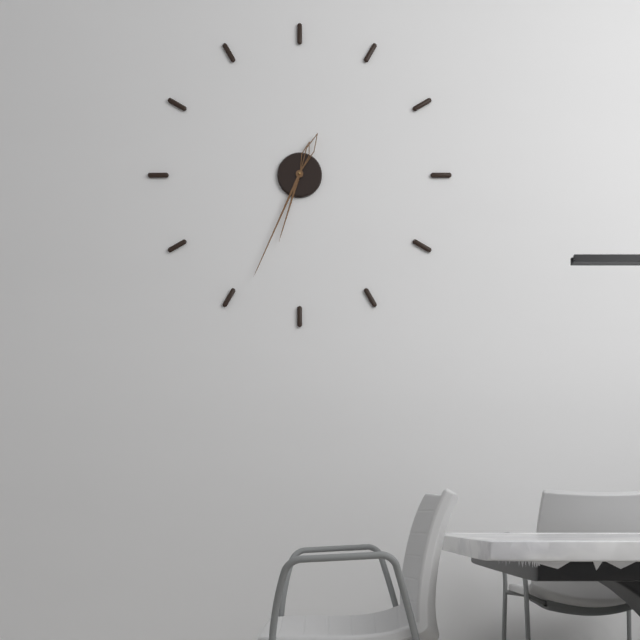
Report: {"hour": 6, "minute": 34}
